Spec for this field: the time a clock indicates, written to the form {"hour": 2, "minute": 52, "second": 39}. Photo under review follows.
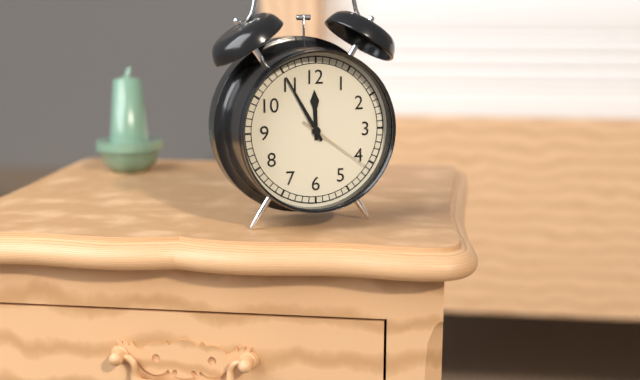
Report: {"hour": 11, "minute": 55, "second": 21}
